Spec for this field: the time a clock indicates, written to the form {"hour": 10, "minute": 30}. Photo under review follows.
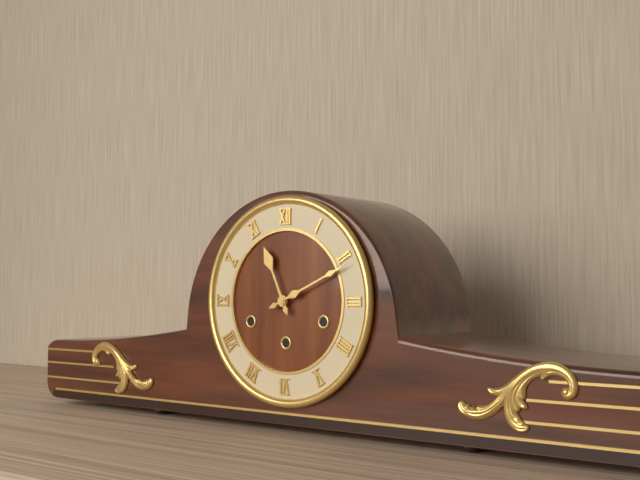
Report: {"hour": 11, "minute": 11}
